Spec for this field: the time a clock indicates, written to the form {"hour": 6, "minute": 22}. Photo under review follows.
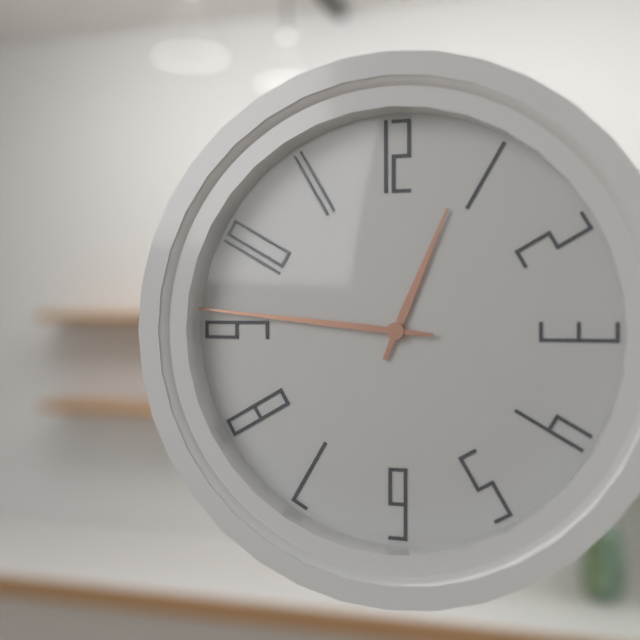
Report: {"hour": 12, "minute": 46}
